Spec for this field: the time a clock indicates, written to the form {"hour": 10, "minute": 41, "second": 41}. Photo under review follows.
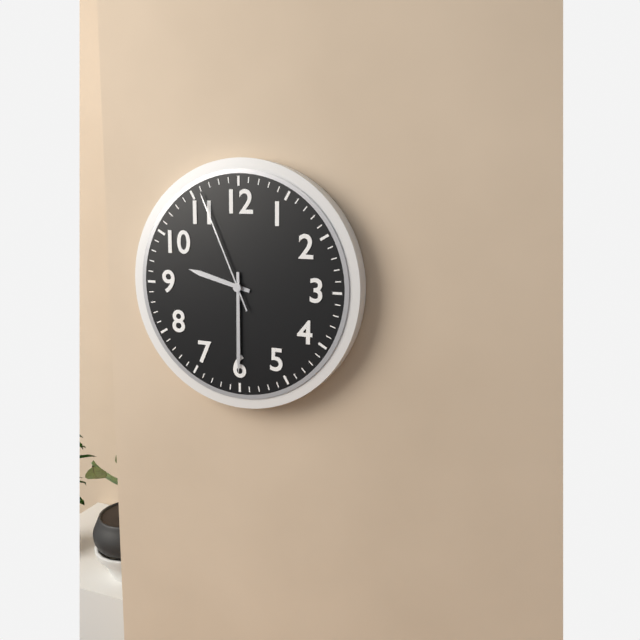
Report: {"hour": 9, "minute": 30, "second": 56}
